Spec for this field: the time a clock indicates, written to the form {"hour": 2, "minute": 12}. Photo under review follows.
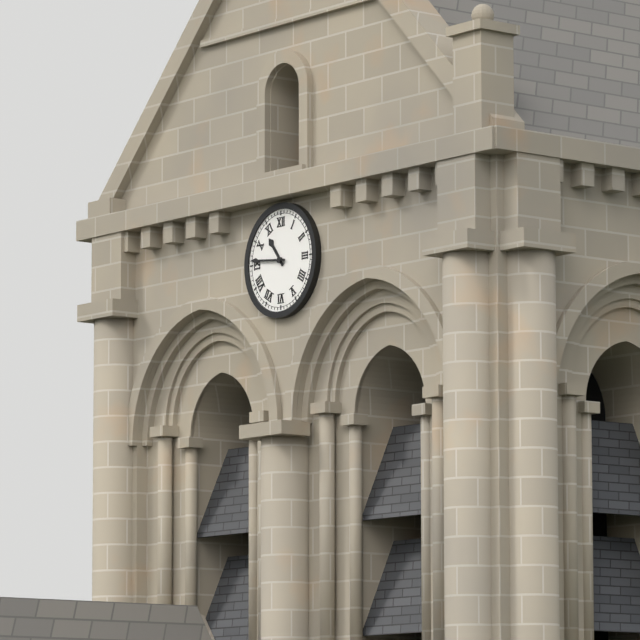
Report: {"hour": 10, "minute": 46}
